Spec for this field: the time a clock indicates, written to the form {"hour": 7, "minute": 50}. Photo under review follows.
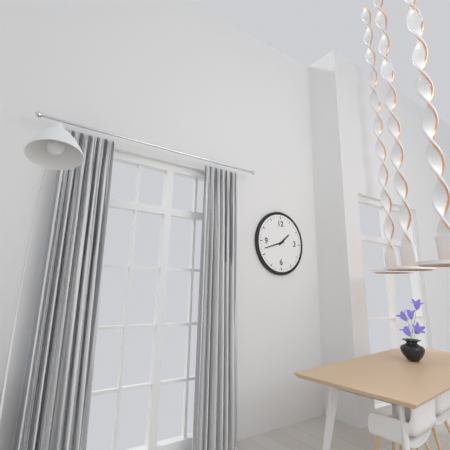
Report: {"hour": 1, "minute": 42}
